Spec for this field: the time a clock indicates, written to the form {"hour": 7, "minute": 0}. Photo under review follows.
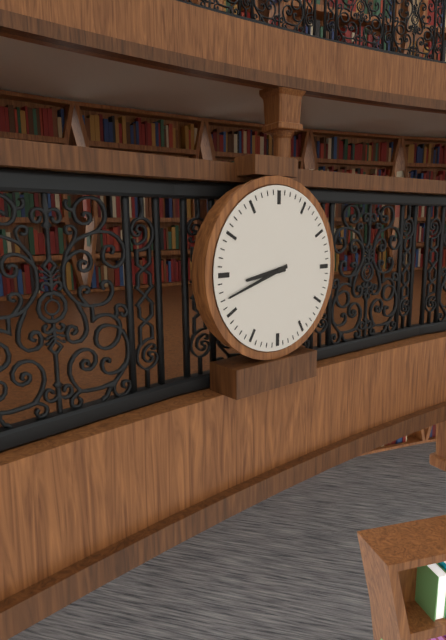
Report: {"hour": 8, "minute": 42}
